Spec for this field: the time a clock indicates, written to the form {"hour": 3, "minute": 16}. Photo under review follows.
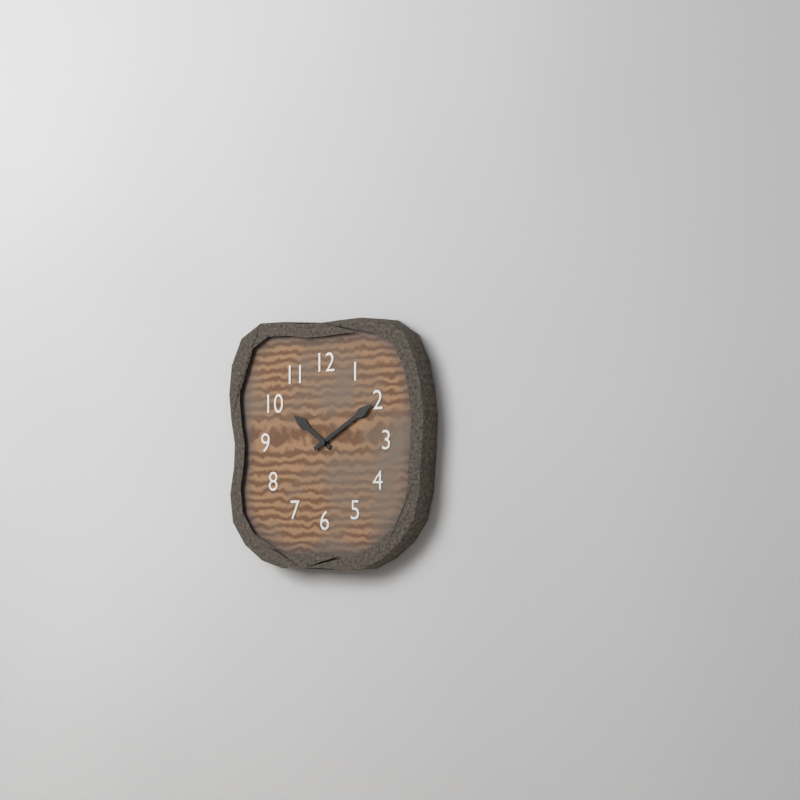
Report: {"hour": 10, "minute": 10}
